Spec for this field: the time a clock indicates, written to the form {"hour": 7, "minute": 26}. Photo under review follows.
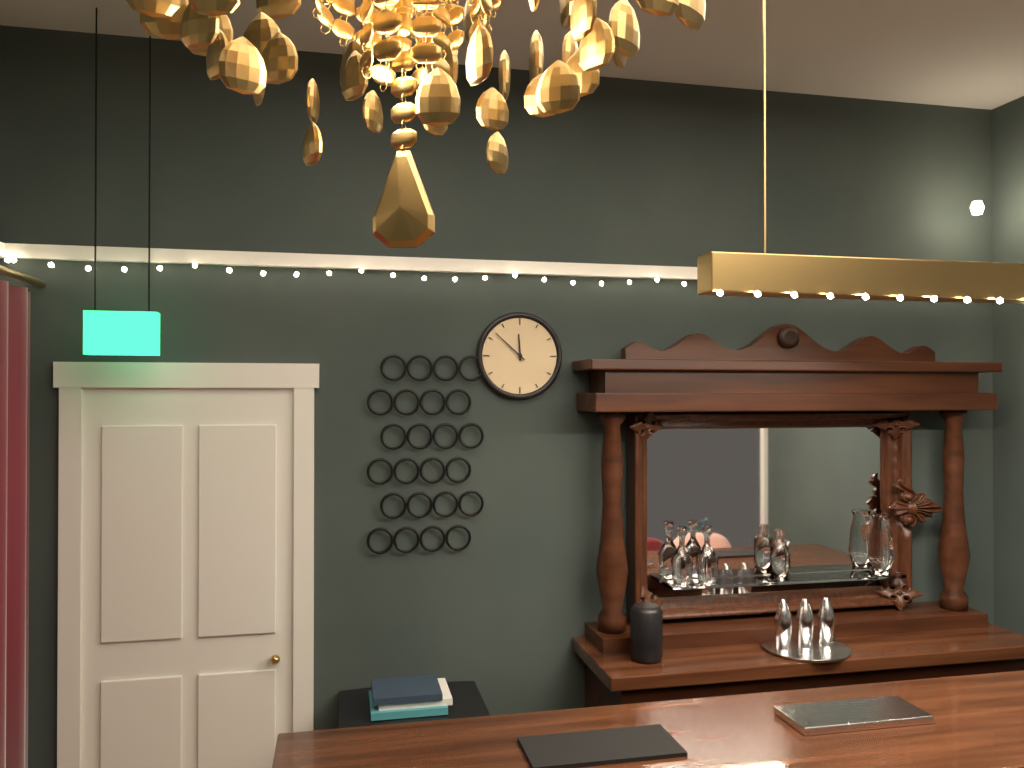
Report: {"hour": 11, "minute": 52}
